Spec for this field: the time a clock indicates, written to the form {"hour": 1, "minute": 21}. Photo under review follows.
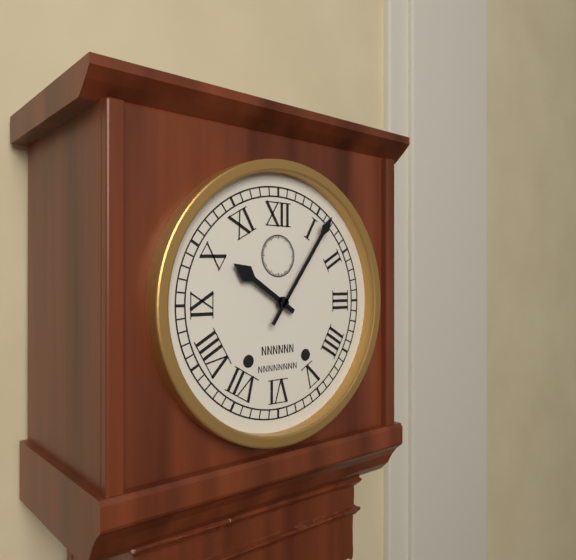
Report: {"hour": 10, "minute": 6}
